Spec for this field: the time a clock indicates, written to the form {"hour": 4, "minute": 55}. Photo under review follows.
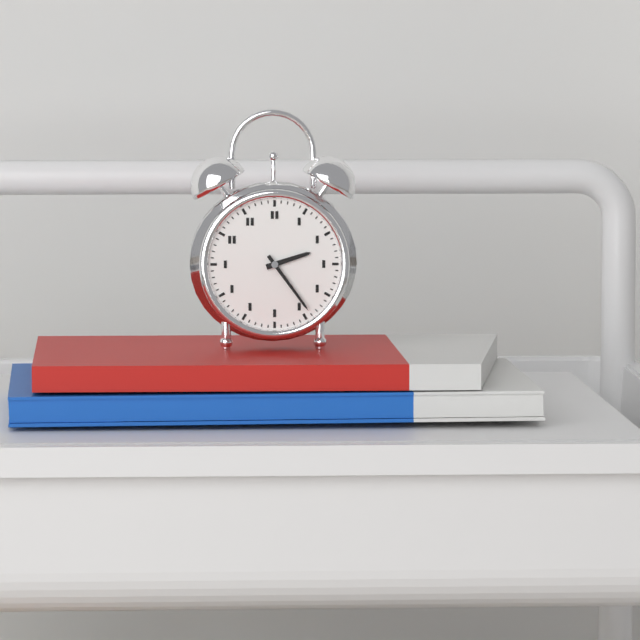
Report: {"hour": 2, "minute": 24}
